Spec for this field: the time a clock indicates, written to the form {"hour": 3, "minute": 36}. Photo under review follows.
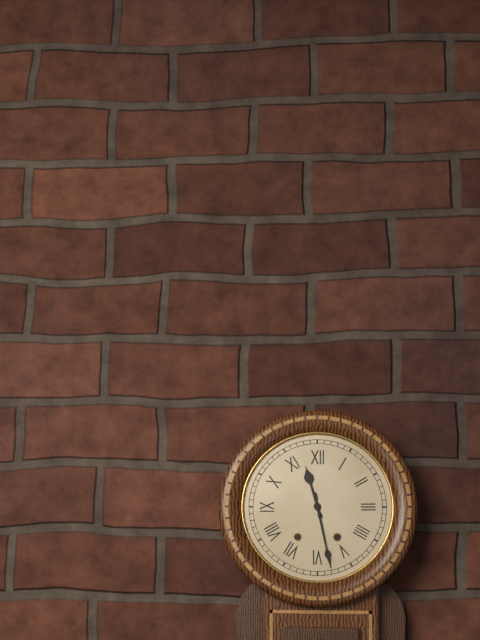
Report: {"hour": 11, "minute": 28}
